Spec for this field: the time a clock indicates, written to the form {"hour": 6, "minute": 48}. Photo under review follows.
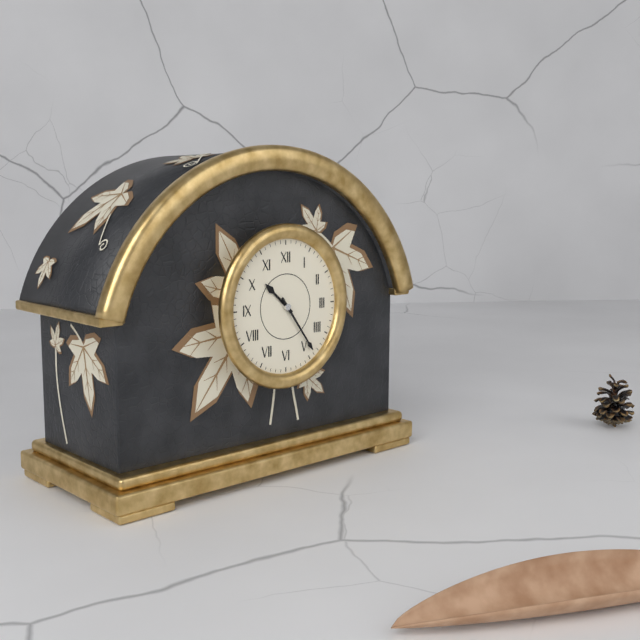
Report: {"hour": 10, "minute": 24}
